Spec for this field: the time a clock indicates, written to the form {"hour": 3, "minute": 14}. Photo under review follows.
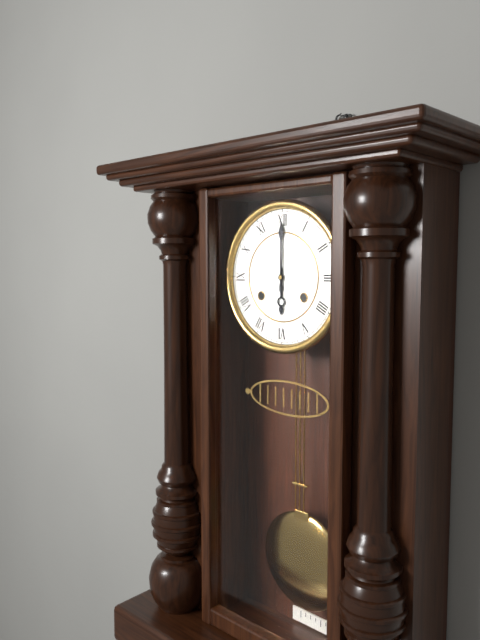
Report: {"hour": 6, "minute": 0}
